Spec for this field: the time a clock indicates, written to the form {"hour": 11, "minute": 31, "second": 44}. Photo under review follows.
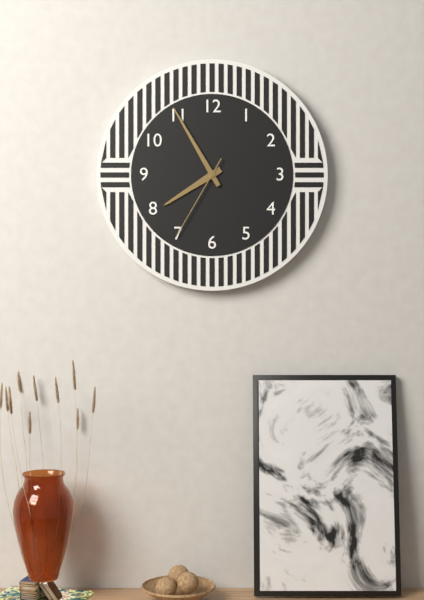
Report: {"hour": 7, "minute": 55, "second": 35}
